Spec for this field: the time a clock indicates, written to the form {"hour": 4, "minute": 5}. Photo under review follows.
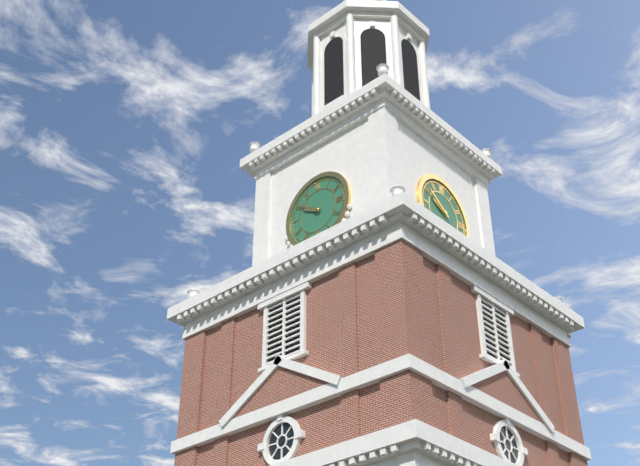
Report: {"hour": 9, "minute": 51}
